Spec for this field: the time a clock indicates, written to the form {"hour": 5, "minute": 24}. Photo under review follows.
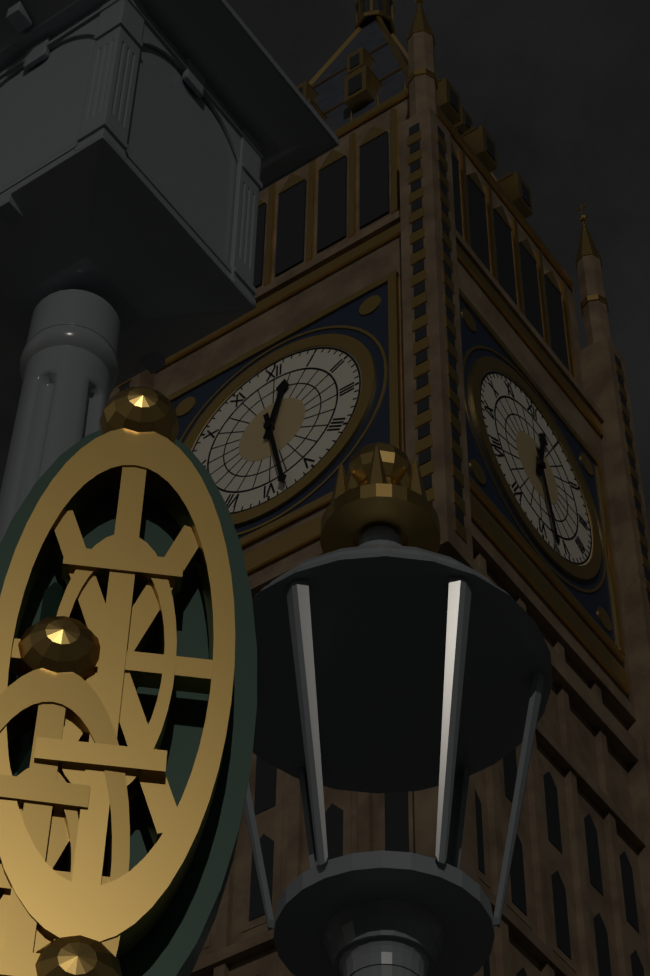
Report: {"hour": 12, "minute": 28}
